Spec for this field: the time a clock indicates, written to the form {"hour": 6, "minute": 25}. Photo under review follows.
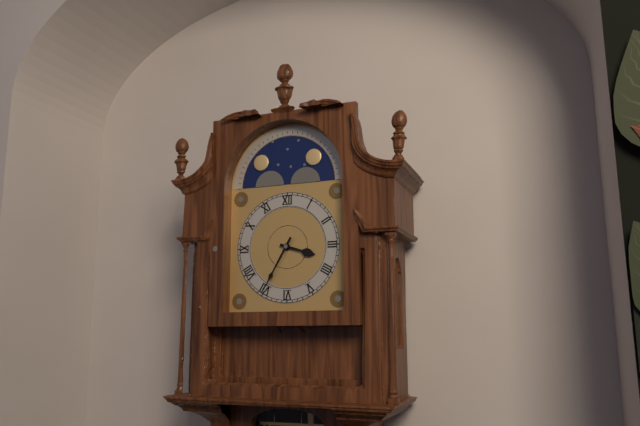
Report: {"hour": 3, "minute": 35}
